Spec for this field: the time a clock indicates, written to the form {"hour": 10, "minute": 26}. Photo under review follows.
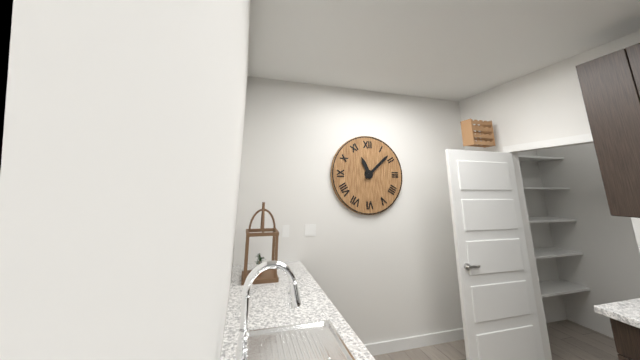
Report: {"hour": 11, "minute": 8}
